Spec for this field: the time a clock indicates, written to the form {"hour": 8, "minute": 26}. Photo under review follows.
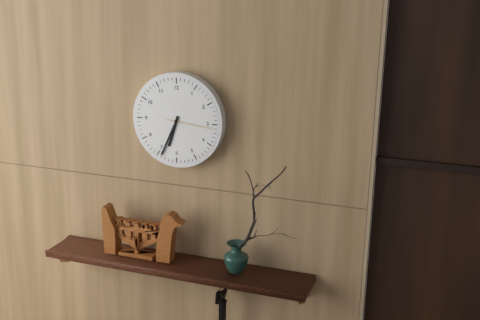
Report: {"hour": 6, "minute": 34}
